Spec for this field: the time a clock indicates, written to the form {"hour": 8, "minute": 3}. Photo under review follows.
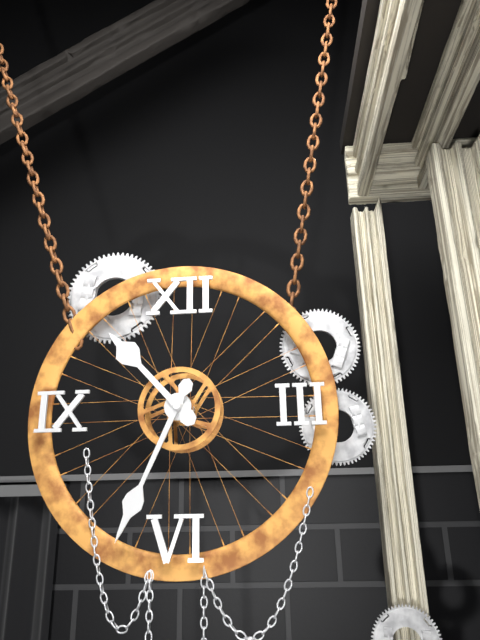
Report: {"hour": 10, "minute": 34}
